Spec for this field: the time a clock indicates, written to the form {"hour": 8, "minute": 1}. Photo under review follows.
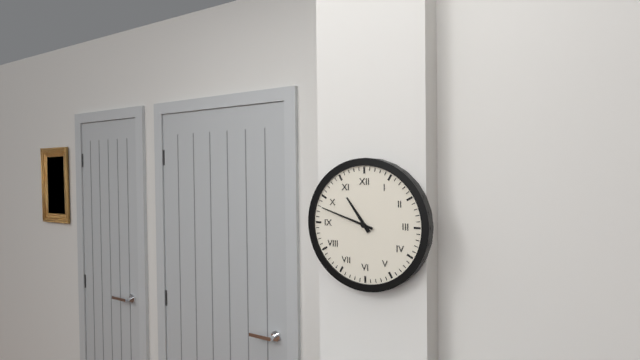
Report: {"hour": 10, "minute": 48}
